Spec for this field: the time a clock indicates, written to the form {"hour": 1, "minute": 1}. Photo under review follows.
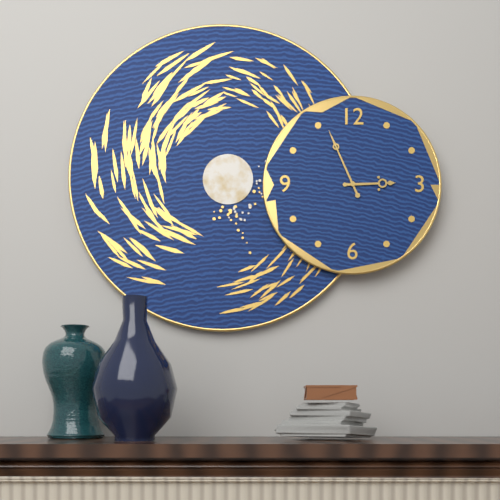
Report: {"hour": 2, "minute": 56}
